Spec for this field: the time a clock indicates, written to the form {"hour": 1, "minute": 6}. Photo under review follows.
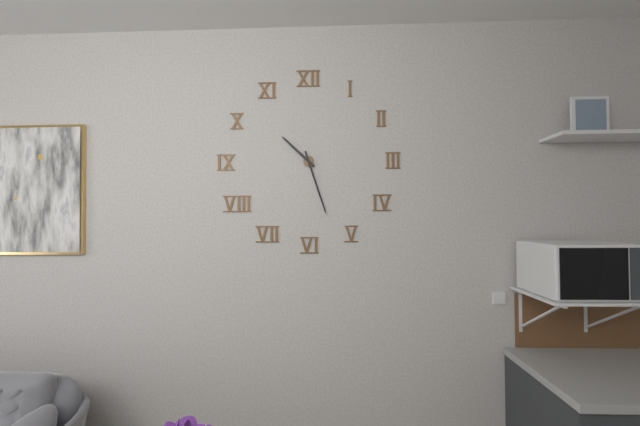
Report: {"hour": 10, "minute": 27}
